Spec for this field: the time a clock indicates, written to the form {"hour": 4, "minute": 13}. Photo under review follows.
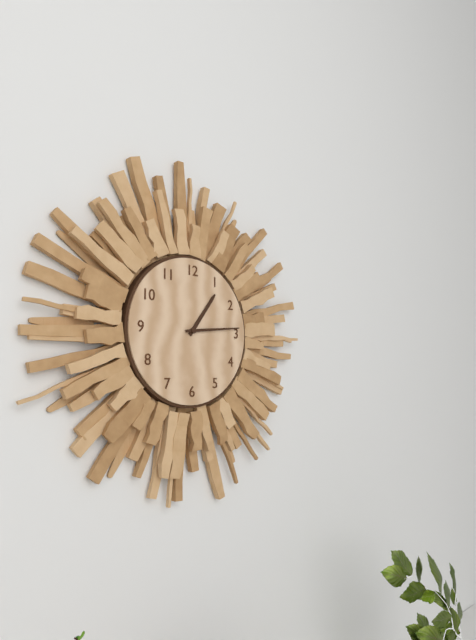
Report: {"hour": 1, "minute": 14}
